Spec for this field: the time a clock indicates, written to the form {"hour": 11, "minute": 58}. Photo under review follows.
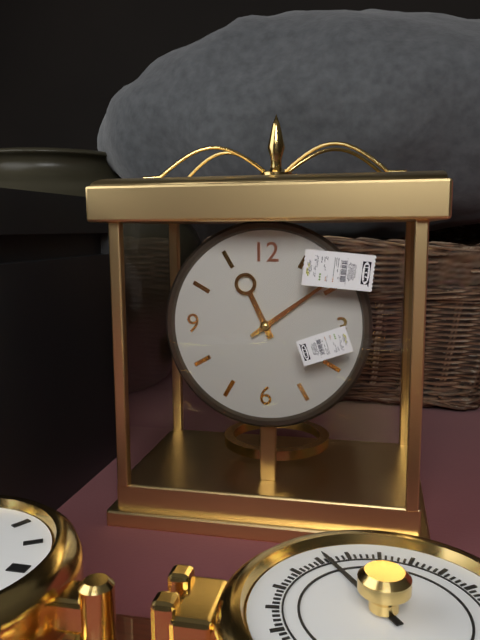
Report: {"hour": 11, "minute": 9}
